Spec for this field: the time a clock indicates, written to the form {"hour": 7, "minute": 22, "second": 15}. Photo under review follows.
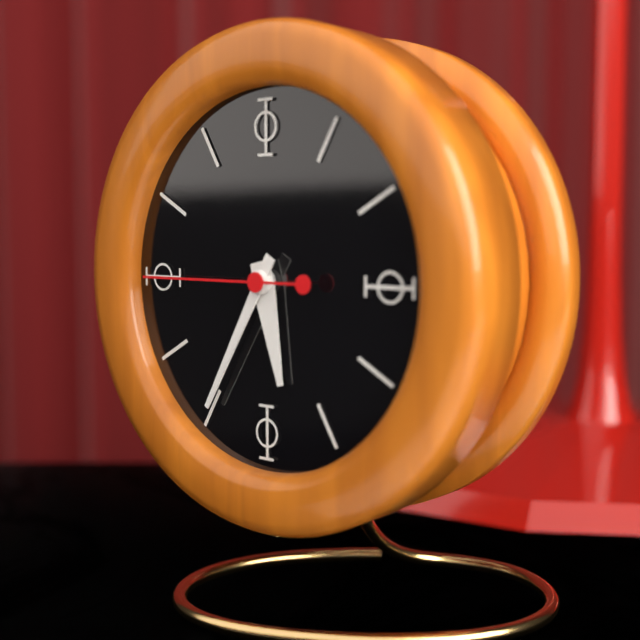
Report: {"hour": 5, "minute": 35, "second": 45}
